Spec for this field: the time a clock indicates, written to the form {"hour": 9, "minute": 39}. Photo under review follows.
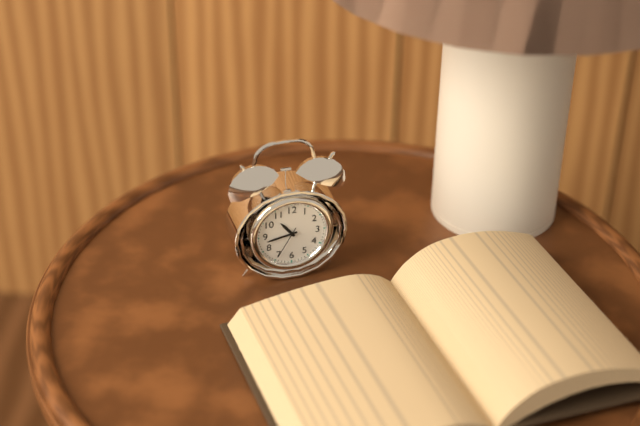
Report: {"hour": 10, "minute": 43}
